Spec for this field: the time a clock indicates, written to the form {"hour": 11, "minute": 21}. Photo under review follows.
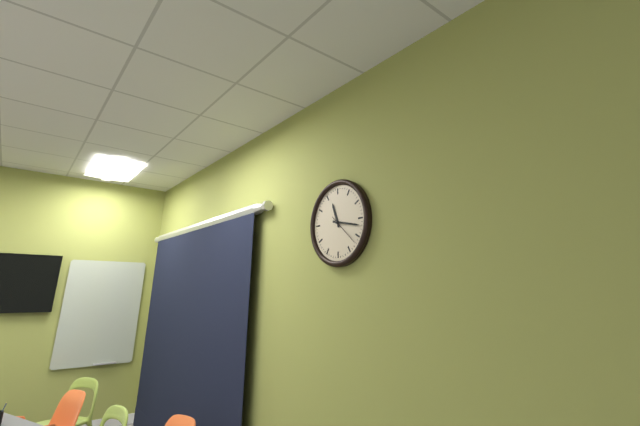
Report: {"hour": 11, "minute": 17}
